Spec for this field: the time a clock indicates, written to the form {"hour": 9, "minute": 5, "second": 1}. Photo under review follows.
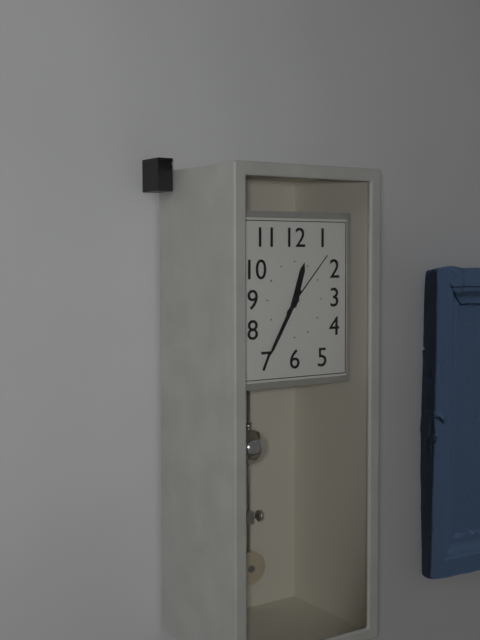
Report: {"hour": 12, "minute": 35, "second": 7}
